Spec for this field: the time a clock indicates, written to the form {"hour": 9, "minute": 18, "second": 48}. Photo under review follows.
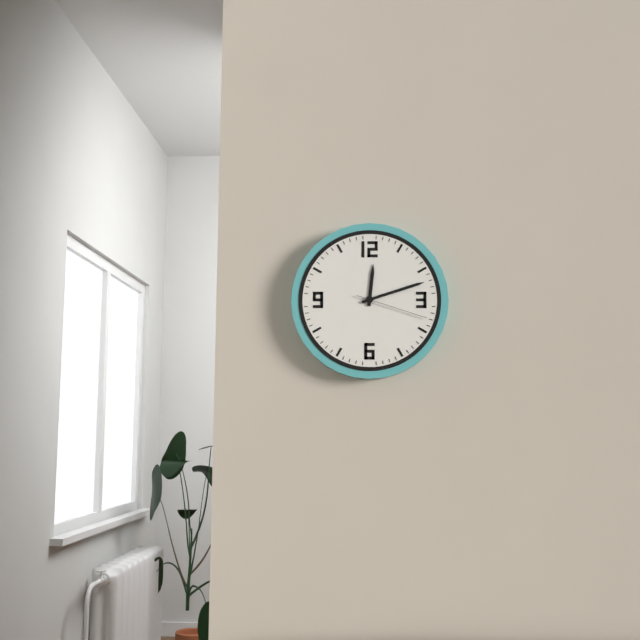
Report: {"hour": 12, "minute": 12, "second": 18}
